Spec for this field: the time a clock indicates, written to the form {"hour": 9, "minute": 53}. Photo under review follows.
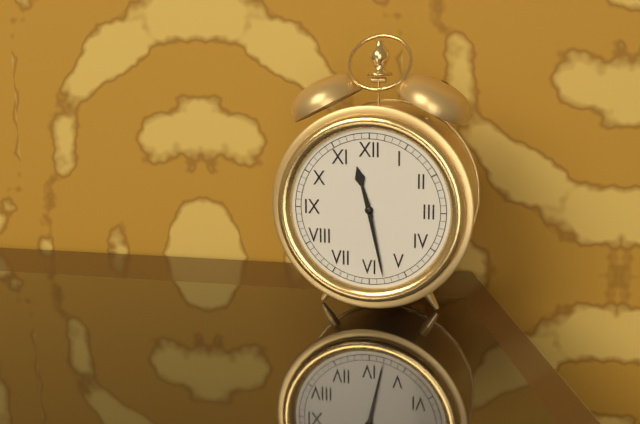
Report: {"hour": 11, "minute": 28}
